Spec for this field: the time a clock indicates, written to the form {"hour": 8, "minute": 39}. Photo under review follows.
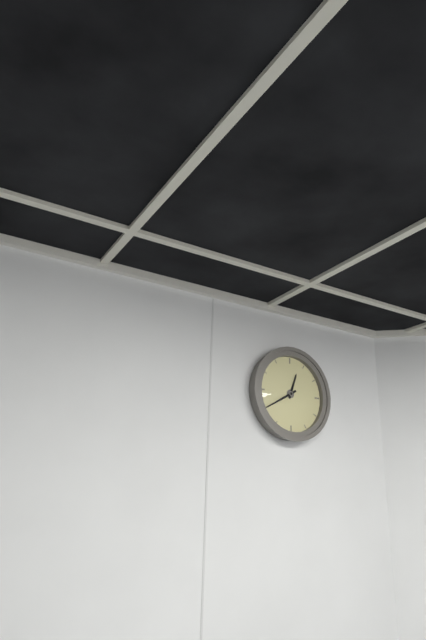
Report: {"hour": 12, "minute": 40}
